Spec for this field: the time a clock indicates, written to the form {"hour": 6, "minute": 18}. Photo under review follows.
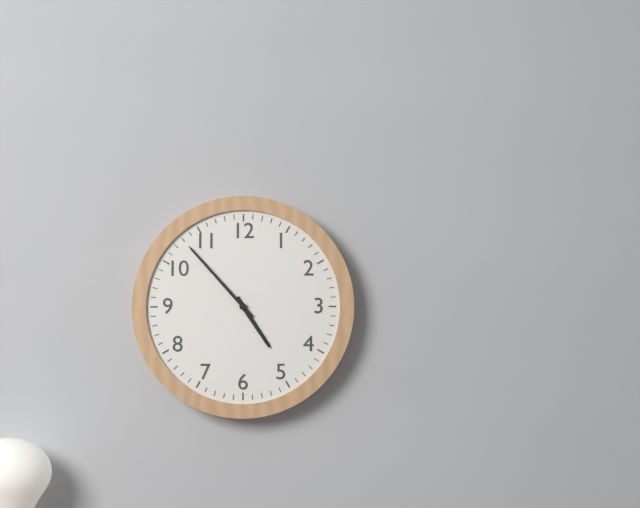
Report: {"hour": 4, "minute": 53}
